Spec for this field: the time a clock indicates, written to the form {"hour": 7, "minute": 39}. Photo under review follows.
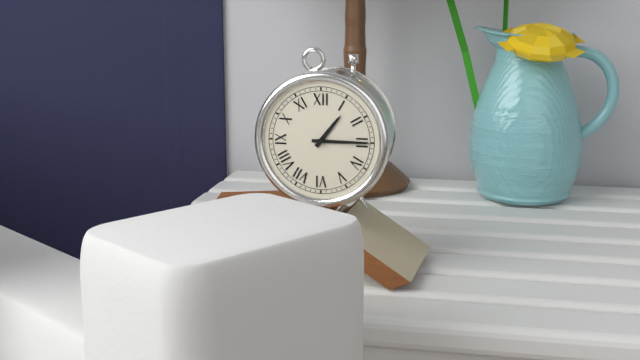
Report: {"hour": 1, "minute": 15}
